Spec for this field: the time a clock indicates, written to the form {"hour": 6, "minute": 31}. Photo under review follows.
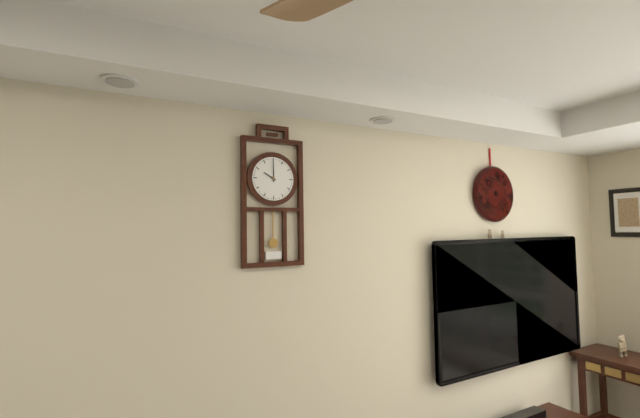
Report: {"hour": 10, "minute": 0}
